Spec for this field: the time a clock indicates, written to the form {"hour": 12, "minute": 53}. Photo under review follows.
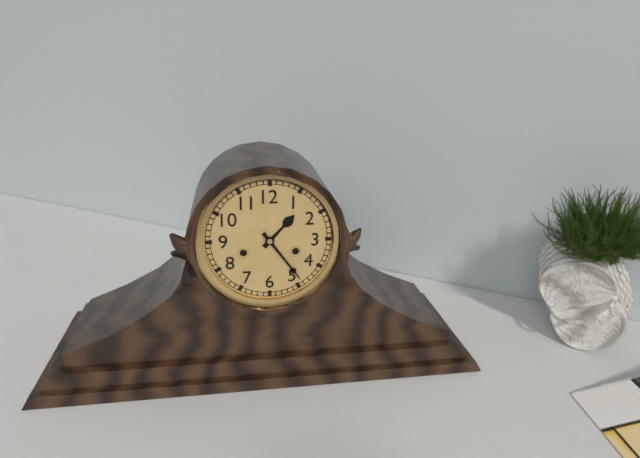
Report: {"hour": 1, "minute": 24}
